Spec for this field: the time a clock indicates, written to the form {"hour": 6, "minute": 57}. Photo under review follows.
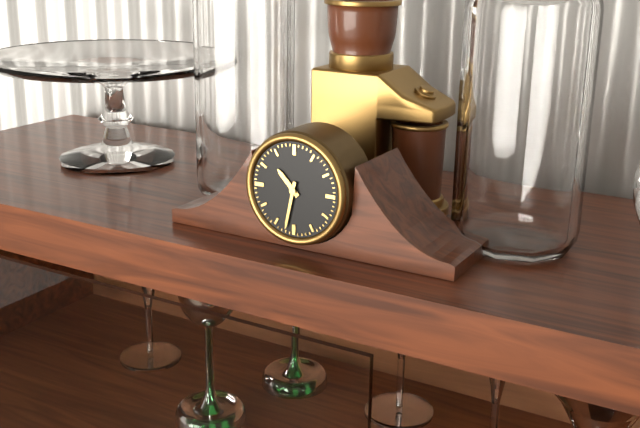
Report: {"hour": 10, "minute": 32}
